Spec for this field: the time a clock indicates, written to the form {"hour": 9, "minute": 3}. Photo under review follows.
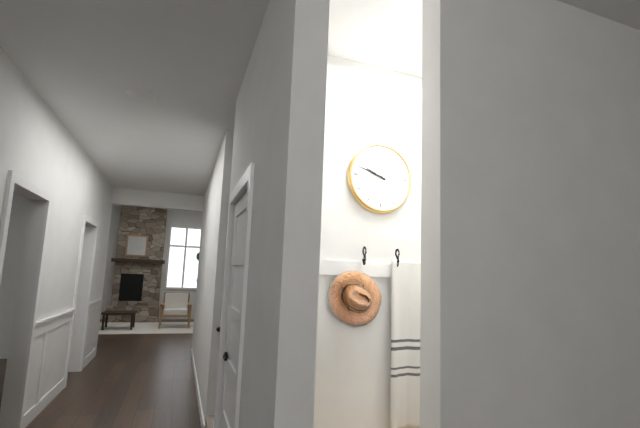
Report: {"hour": 9, "minute": 48}
